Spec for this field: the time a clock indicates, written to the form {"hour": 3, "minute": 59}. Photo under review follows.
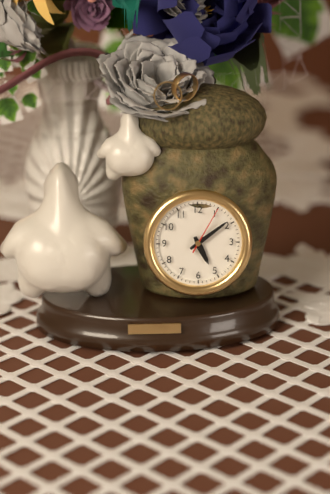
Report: {"hour": 5, "minute": 9}
